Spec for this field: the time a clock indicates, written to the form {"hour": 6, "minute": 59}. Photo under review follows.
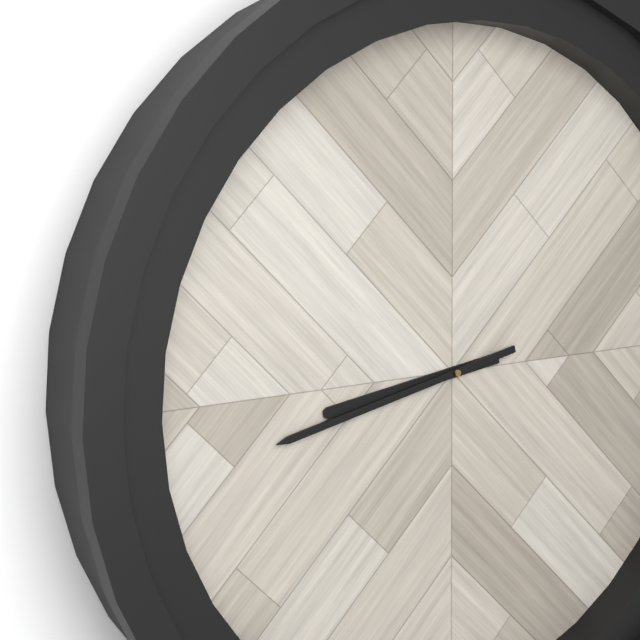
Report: {"hour": 8, "minute": 43}
